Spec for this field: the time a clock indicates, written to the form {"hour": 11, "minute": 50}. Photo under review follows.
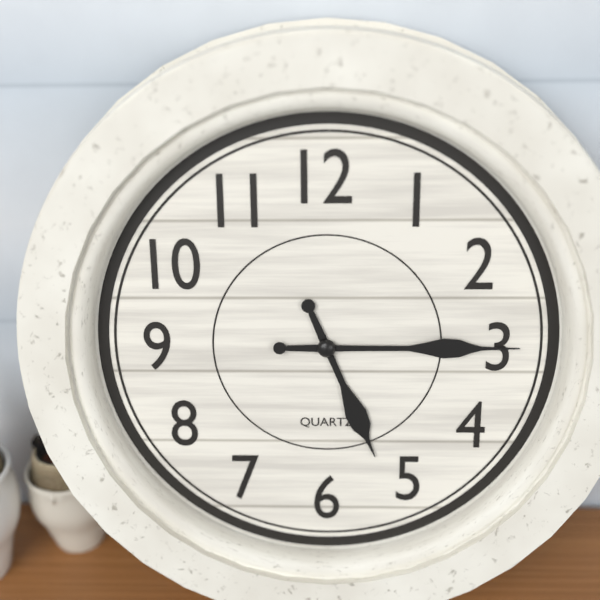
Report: {"hour": 5, "minute": 15}
